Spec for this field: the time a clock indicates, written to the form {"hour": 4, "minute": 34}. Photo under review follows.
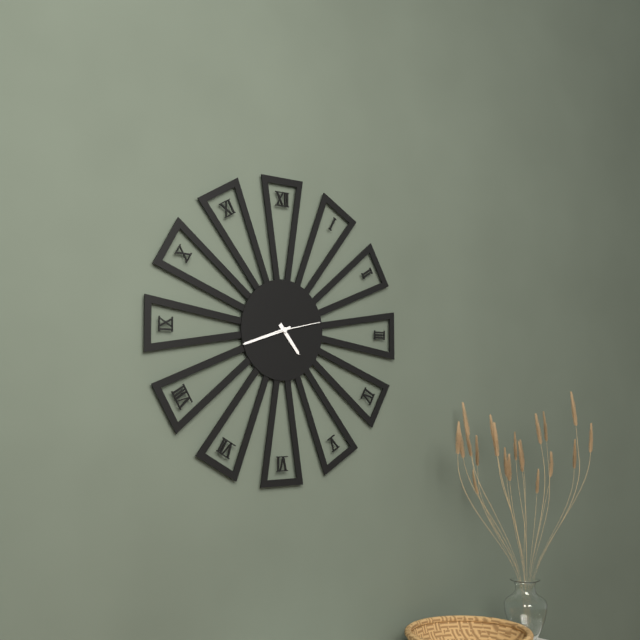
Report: {"hour": 4, "minute": 42}
